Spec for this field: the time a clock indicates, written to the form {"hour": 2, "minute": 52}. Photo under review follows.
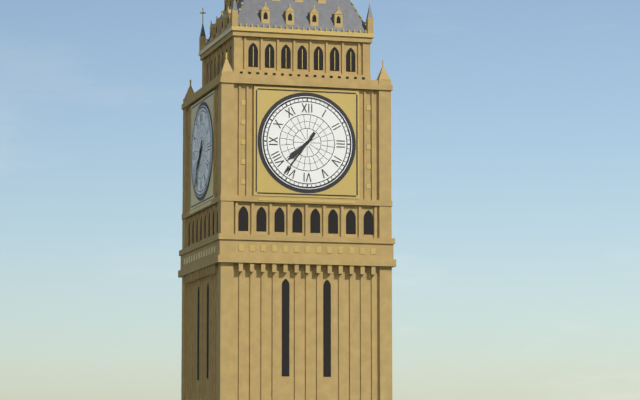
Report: {"hour": 7, "minute": 36}
